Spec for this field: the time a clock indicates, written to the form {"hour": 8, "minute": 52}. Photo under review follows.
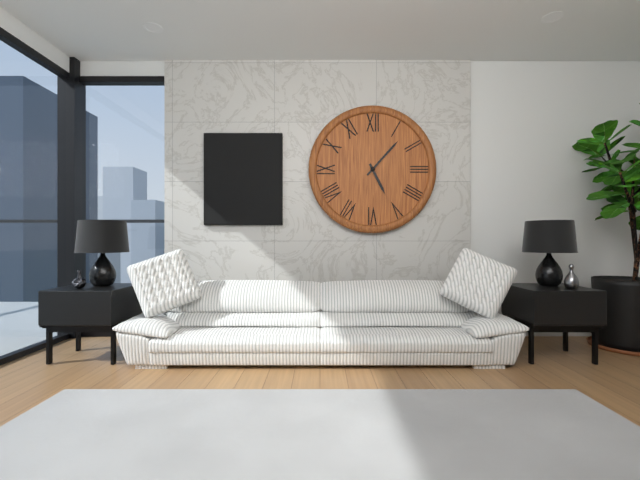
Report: {"hour": 5, "minute": 7}
